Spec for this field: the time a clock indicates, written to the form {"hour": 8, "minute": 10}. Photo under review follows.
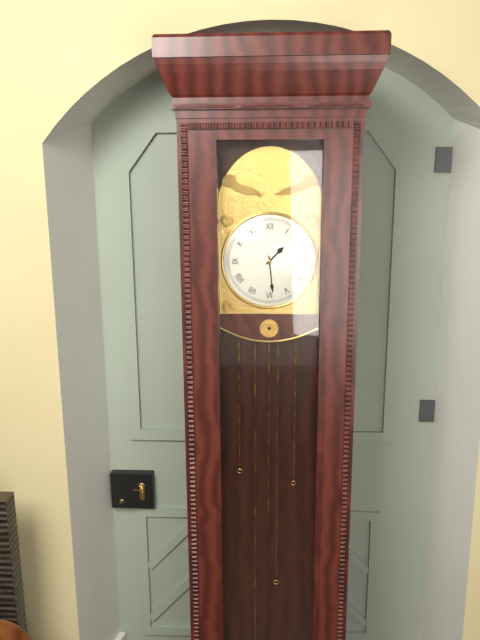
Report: {"hour": 1, "minute": 29}
